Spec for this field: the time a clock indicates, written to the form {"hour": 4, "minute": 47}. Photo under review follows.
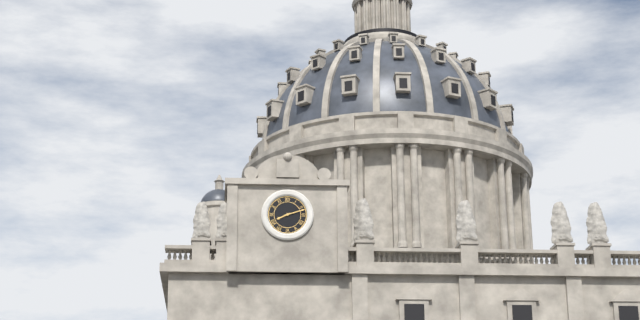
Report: {"hour": 8, "minute": 12}
